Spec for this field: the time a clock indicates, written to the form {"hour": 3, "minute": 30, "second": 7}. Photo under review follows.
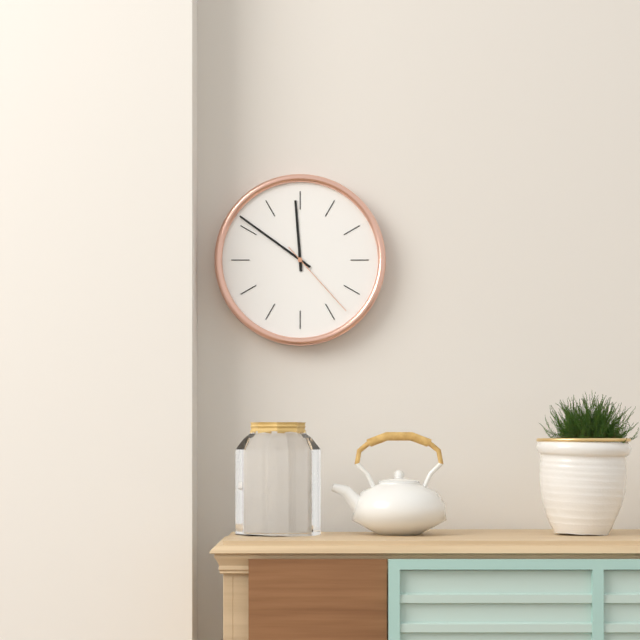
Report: {"hour": 11, "minute": 51, "second": 23}
